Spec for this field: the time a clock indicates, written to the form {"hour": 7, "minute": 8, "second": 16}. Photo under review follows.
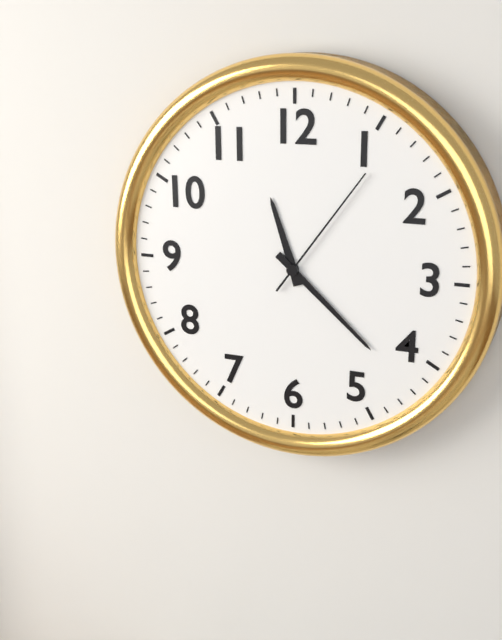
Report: {"hour": 11, "minute": 22, "second": 6}
